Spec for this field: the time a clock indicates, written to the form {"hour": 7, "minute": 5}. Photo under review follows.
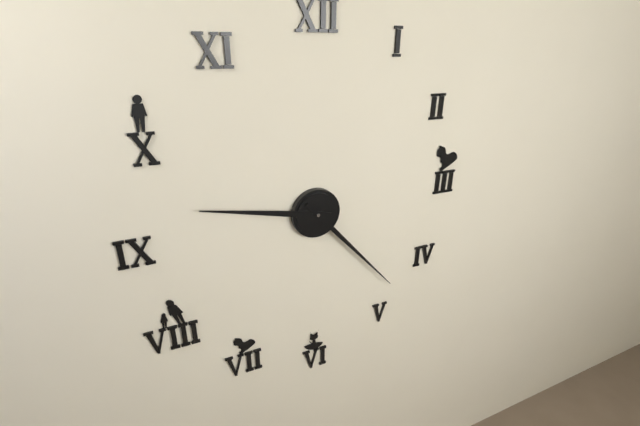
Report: {"hour": 9, "minute": 23}
